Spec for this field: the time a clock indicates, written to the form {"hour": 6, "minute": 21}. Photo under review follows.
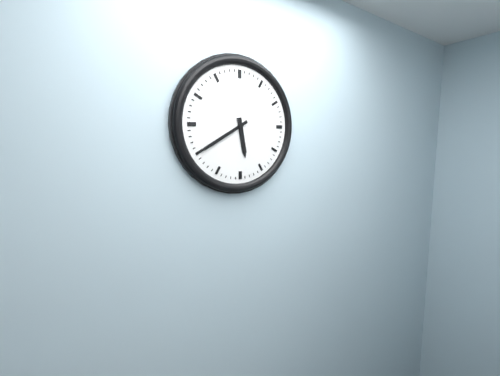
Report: {"hour": 5, "minute": 40}
